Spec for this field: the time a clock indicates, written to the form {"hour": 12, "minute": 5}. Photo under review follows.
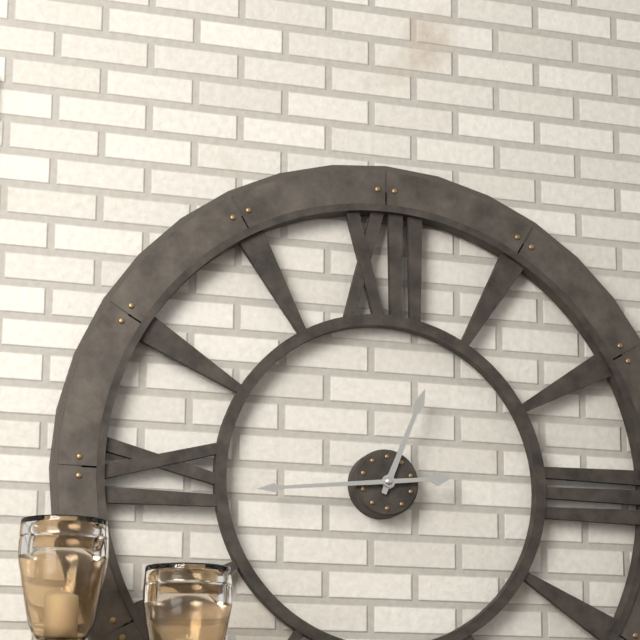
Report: {"hour": 12, "minute": 44}
